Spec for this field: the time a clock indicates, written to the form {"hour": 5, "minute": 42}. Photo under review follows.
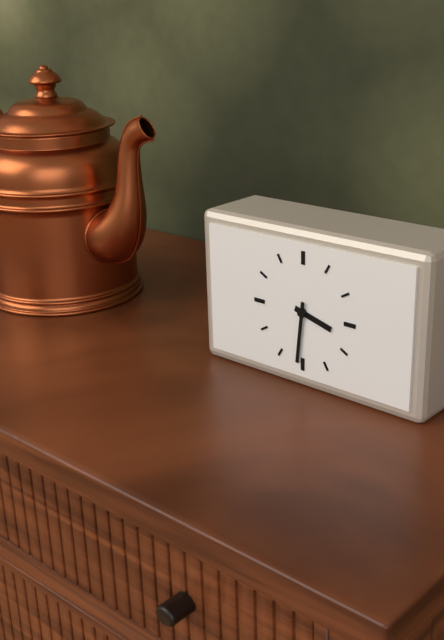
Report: {"hour": 3, "minute": 31}
